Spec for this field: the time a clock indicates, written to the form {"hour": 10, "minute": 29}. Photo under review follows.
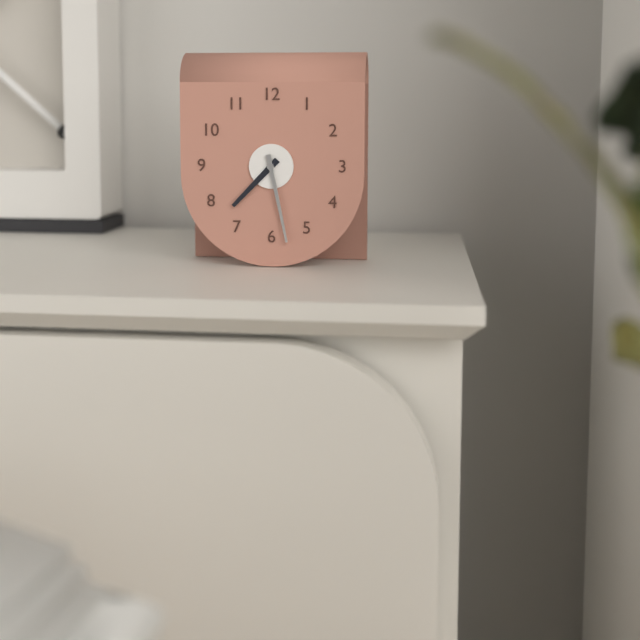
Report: {"hour": 7, "minute": 28}
